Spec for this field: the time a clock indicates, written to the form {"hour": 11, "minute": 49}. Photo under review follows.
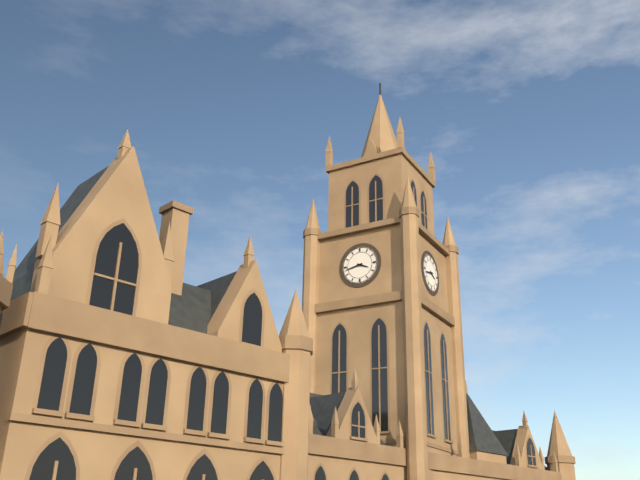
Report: {"hour": 3, "minute": 43}
